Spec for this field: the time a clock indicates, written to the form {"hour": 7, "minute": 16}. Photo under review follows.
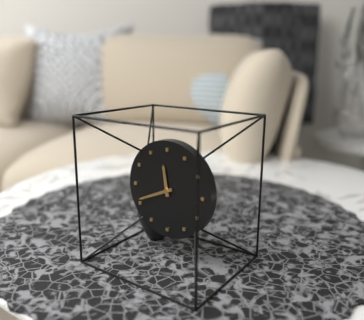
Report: {"hour": 11, "minute": 41}
